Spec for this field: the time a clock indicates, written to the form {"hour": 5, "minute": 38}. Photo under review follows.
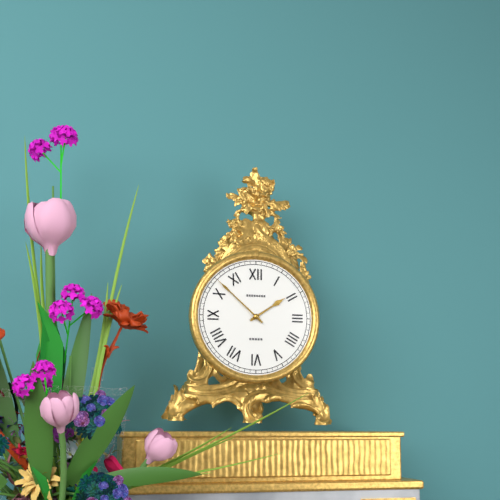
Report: {"hour": 1, "minute": 52}
